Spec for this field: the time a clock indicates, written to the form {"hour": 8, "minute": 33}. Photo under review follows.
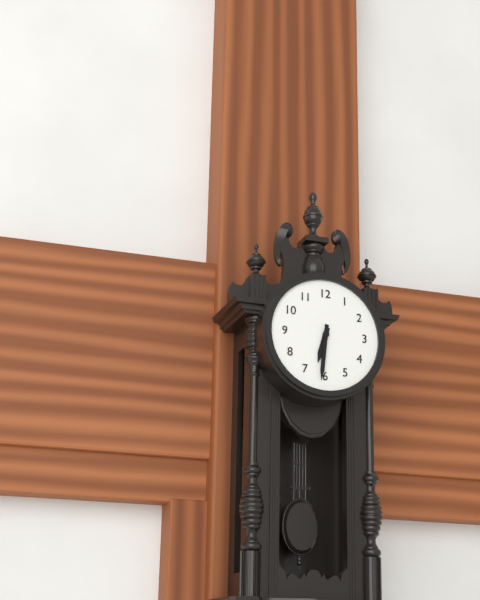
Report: {"hour": 6, "minute": 31}
